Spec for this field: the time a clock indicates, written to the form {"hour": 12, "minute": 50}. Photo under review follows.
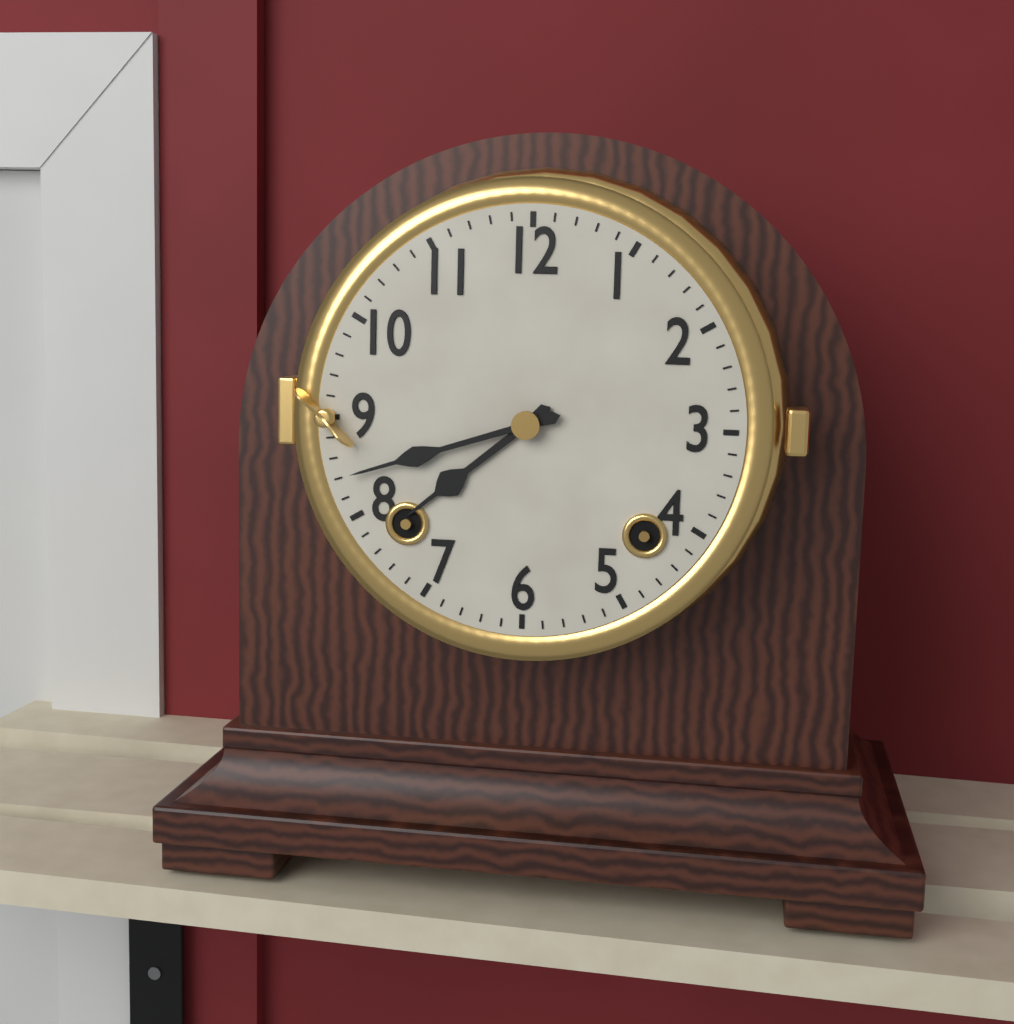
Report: {"hour": 7, "minute": 42}
